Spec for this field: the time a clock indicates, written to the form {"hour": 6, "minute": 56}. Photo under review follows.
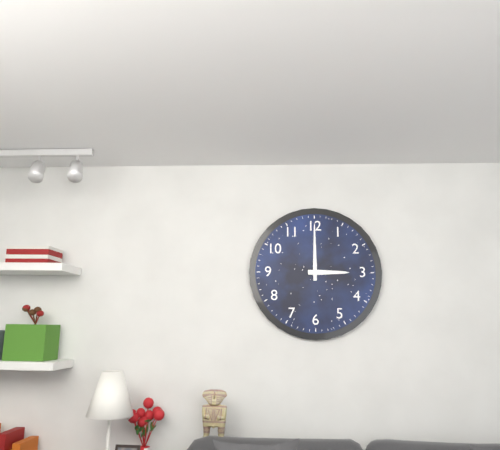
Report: {"hour": 3, "minute": 0}
